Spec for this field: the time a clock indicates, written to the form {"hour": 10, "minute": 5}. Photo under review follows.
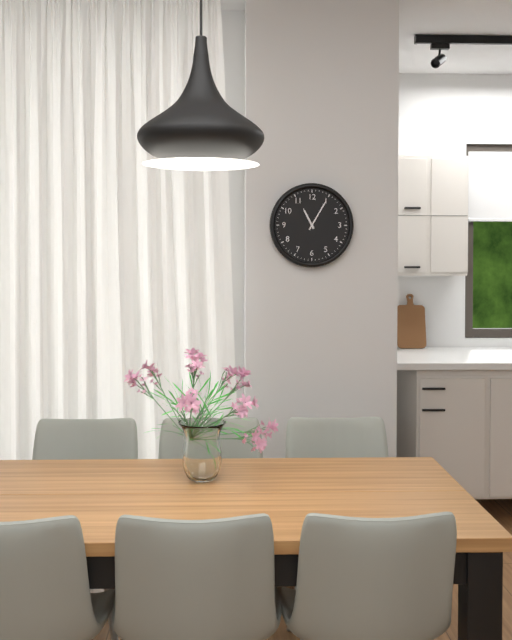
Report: {"hour": 11, "minute": 5}
